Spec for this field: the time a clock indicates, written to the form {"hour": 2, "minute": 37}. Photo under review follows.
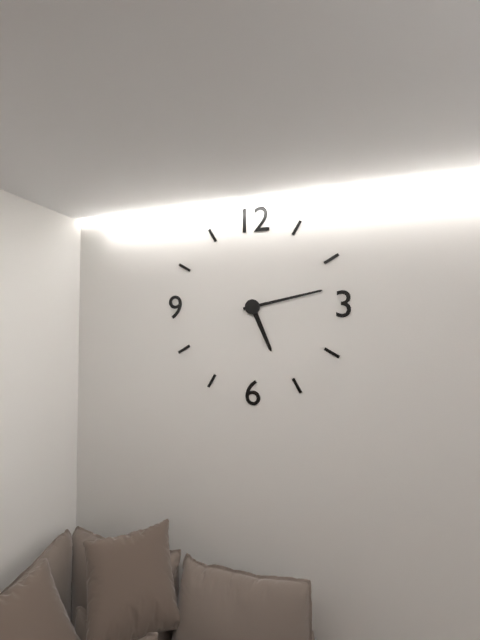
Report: {"hour": 5, "minute": 13}
